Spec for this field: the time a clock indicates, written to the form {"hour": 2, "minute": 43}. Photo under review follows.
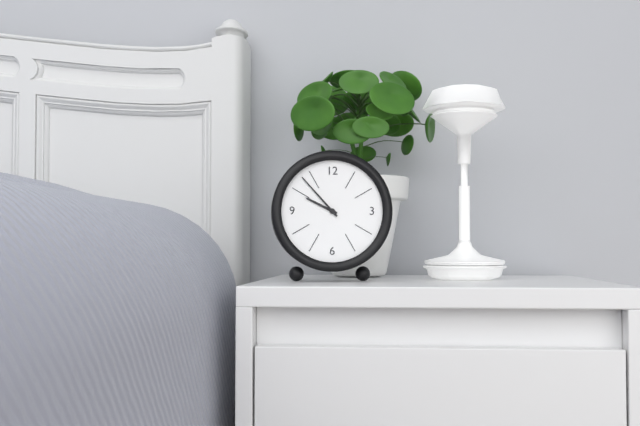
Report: {"hour": 9, "minute": 53}
